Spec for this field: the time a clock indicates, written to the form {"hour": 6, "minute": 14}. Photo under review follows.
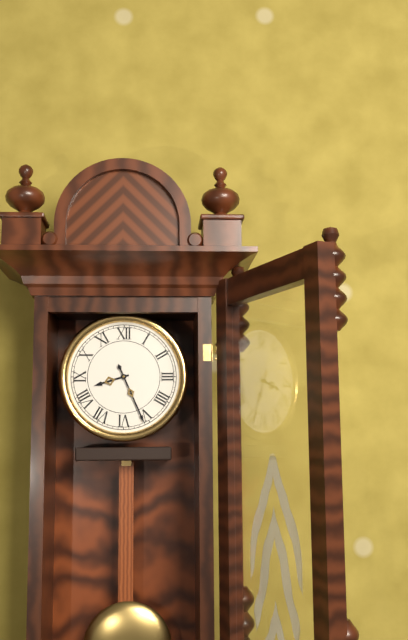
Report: {"hour": 8, "minute": 26}
